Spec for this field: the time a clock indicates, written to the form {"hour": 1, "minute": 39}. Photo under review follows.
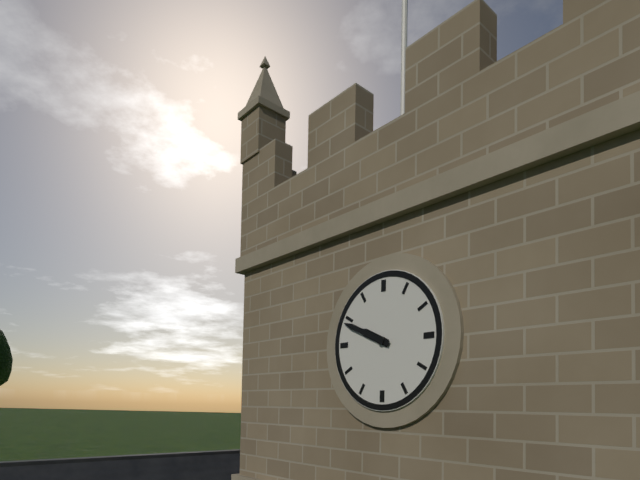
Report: {"hour": 9, "minute": 49}
